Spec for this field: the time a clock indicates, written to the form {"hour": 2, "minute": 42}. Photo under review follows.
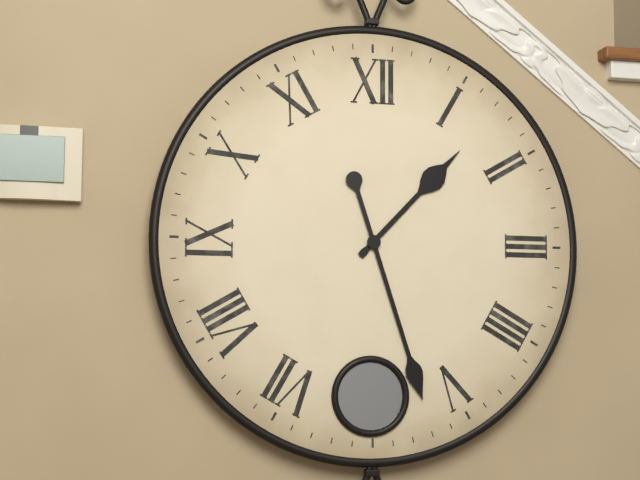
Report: {"hour": 1, "minute": 27}
